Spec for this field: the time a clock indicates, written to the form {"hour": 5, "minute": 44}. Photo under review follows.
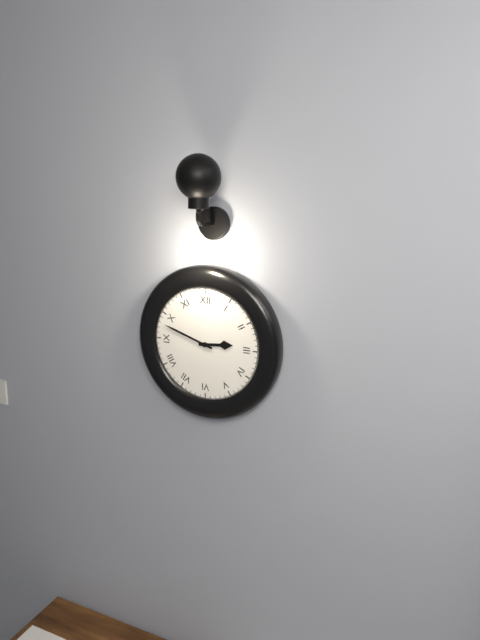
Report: {"hour": 2, "minute": 48}
